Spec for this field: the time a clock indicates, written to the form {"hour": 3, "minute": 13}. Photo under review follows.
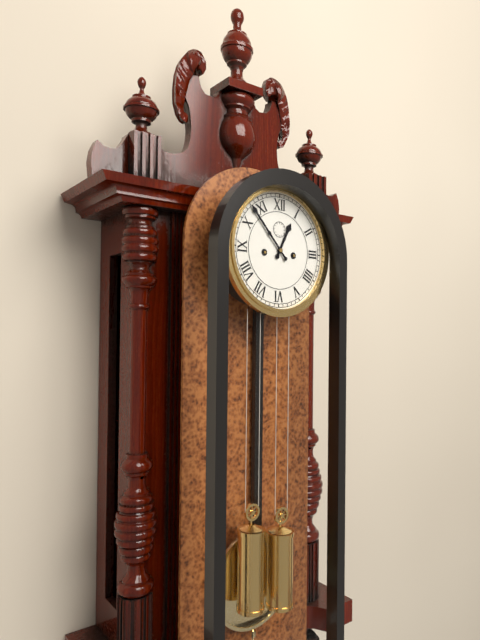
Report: {"hour": 12, "minute": 53}
